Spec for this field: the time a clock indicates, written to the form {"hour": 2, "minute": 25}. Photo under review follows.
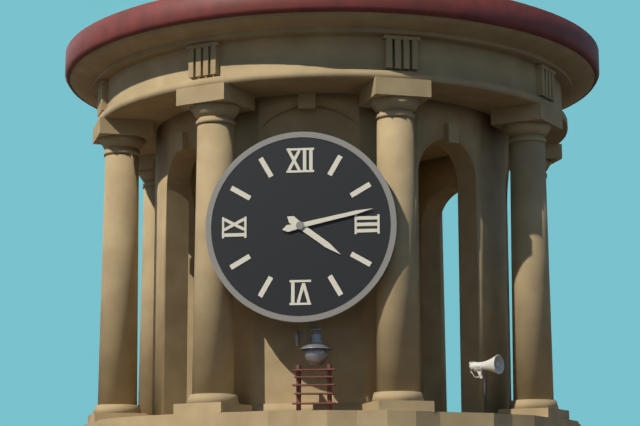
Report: {"hour": 4, "minute": 13}
